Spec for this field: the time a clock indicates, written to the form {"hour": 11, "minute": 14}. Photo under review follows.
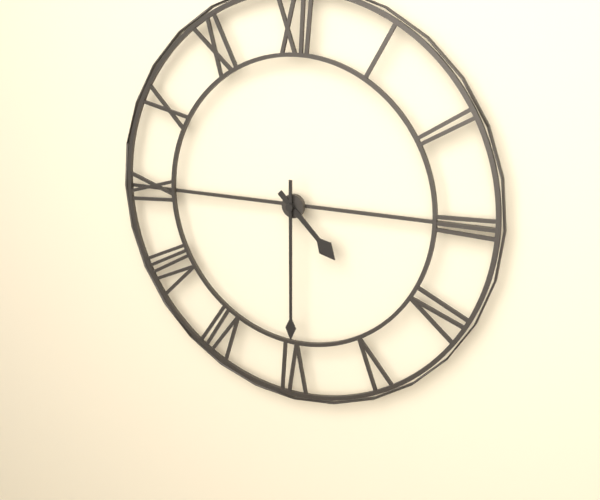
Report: {"hour": 4, "minute": 30}
